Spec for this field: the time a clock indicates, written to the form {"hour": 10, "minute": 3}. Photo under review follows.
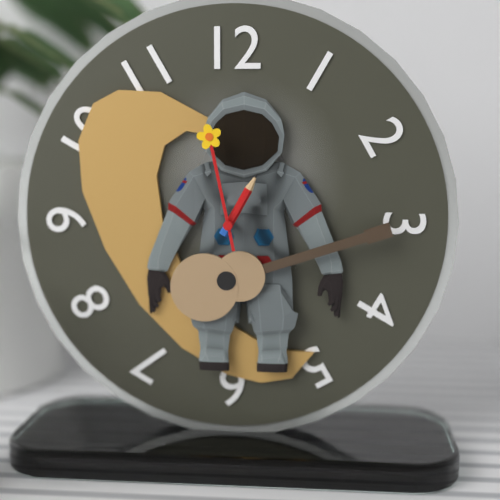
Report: {"hour": 12, "minute": 58}
